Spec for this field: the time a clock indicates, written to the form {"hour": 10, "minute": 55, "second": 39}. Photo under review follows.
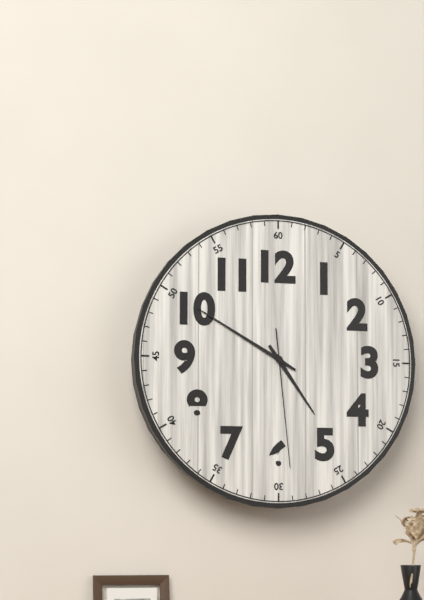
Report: {"hour": 4, "minute": 50, "second": 29}
